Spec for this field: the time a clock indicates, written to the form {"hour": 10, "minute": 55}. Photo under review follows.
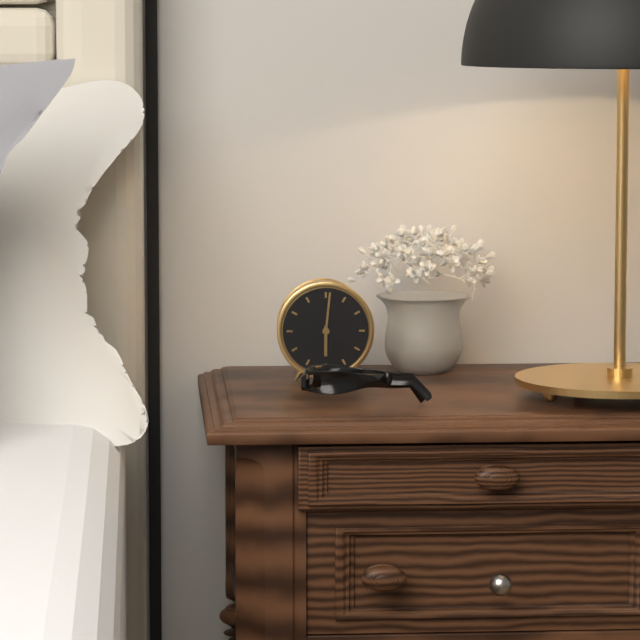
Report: {"hour": 6, "minute": 1}
